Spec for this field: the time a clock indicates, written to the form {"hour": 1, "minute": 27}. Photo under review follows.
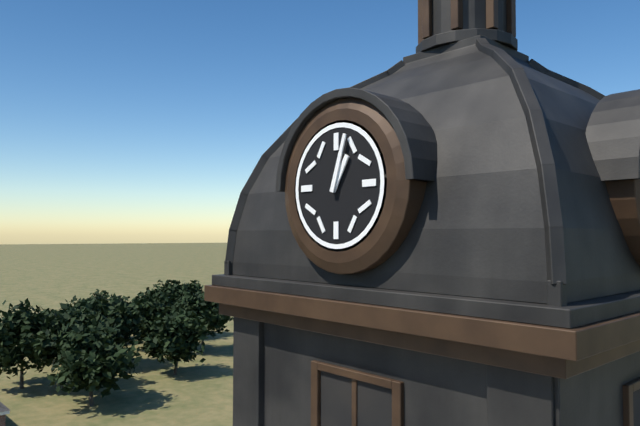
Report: {"hour": 1, "minute": 3}
